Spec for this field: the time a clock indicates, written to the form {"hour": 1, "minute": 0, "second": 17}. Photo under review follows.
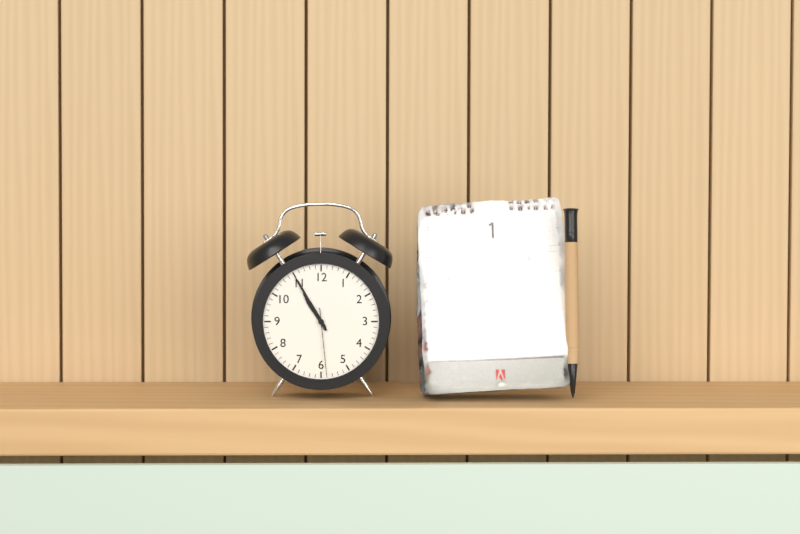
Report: {"hour": 10, "minute": 55, "second": 29}
